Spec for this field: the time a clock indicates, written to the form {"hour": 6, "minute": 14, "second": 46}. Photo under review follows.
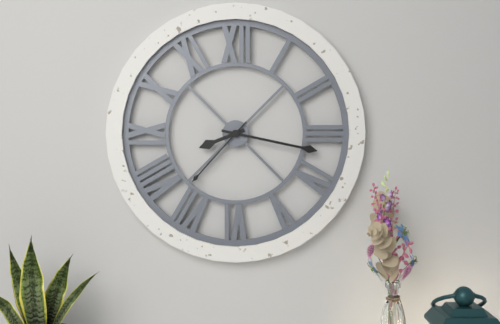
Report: {"hour": 8, "minute": 17, "second": 37}
